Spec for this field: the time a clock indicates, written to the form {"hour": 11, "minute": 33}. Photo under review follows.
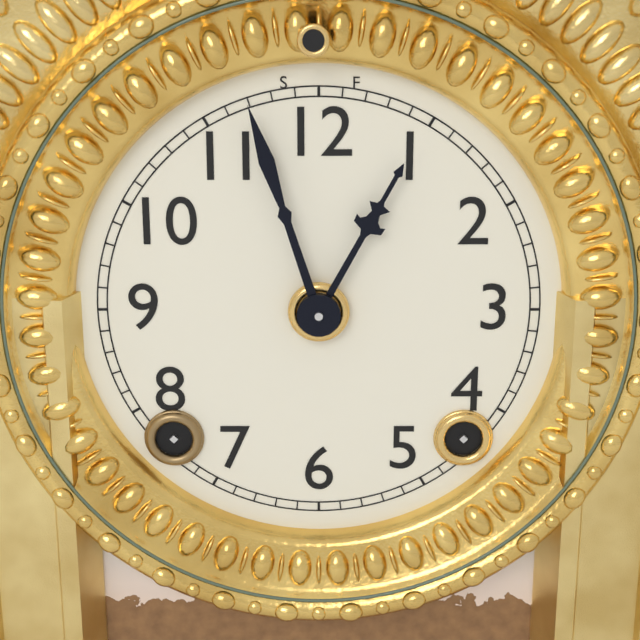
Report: {"hour": 12, "minute": 57}
